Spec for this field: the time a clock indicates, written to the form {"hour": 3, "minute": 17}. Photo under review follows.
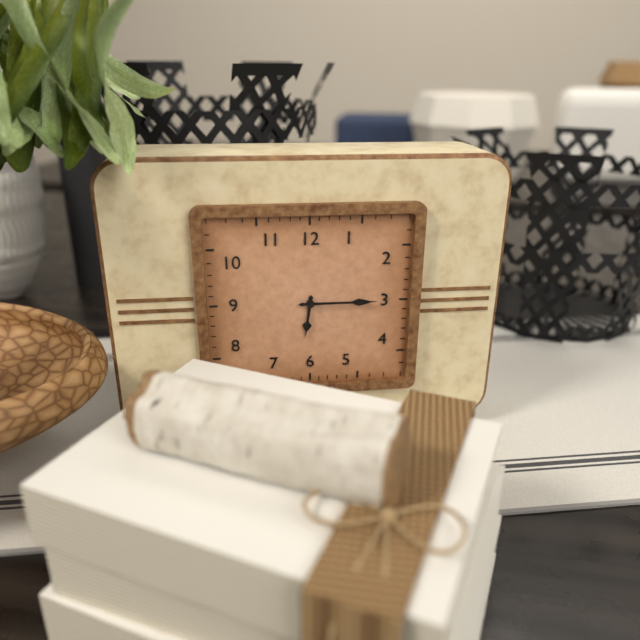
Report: {"hour": 6, "minute": 15}
